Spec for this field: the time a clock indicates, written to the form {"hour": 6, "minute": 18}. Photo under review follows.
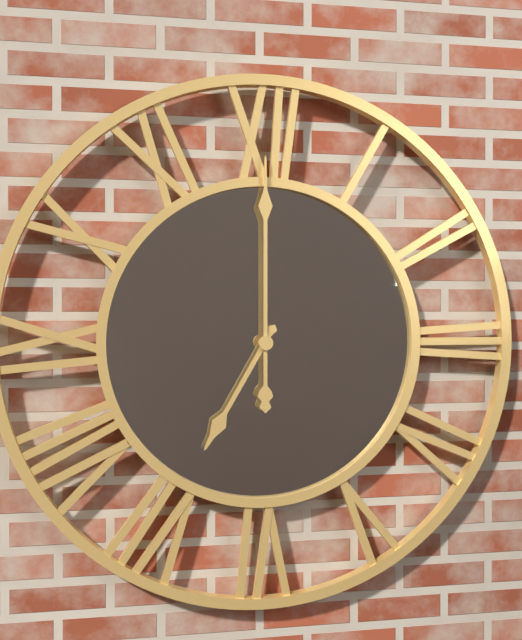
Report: {"hour": 7, "minute": 0}
